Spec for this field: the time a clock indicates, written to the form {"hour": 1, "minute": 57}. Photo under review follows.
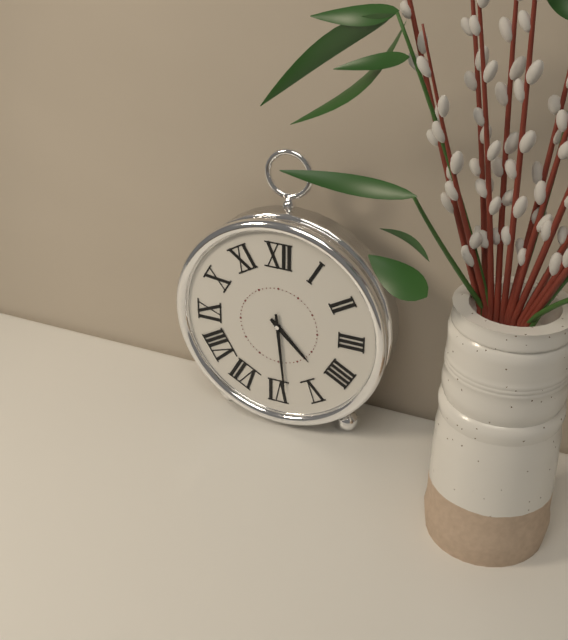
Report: {"hour": 4, "minute": 29}
